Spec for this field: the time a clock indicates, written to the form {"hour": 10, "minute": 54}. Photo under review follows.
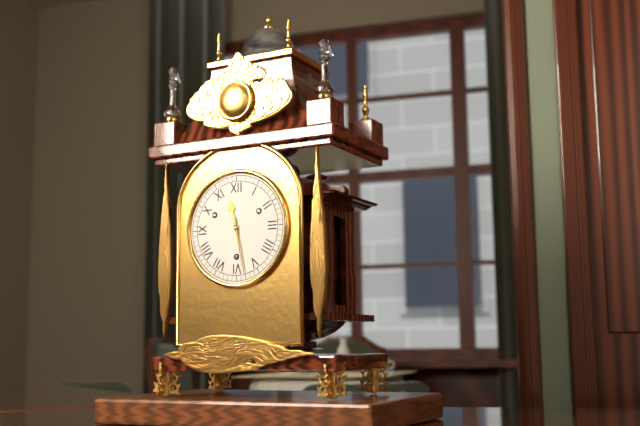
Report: {"hour": 11, "minute": 28}
